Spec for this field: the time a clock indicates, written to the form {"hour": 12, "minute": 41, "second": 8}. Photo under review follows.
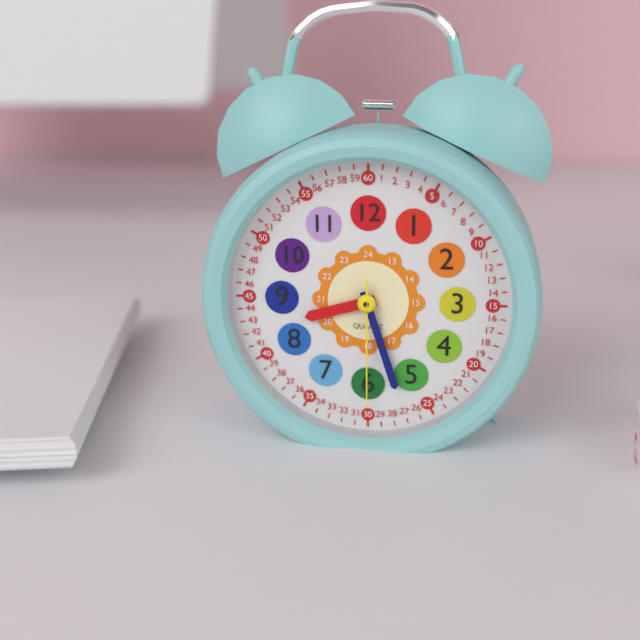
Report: {"hour": 8, "minute": 27, "second": 30}
